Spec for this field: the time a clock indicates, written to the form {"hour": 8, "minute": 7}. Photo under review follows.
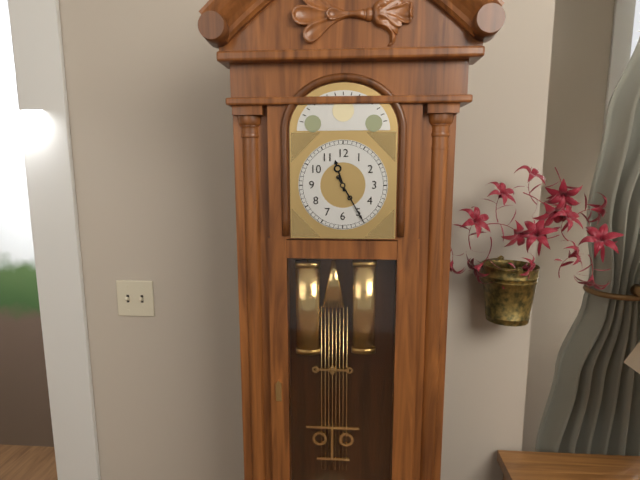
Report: {"hour": 11, "minute": 25}
